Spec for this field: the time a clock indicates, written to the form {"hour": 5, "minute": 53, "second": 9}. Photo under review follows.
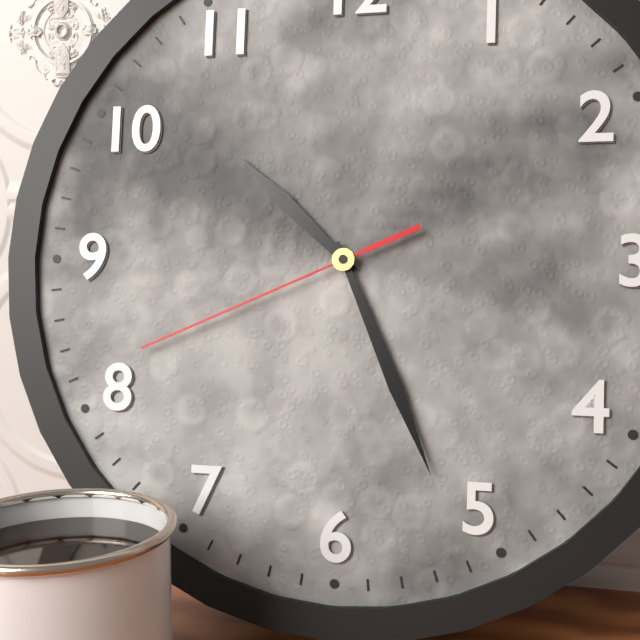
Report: {"hour": 10, "minute": 26, "second": 41}
